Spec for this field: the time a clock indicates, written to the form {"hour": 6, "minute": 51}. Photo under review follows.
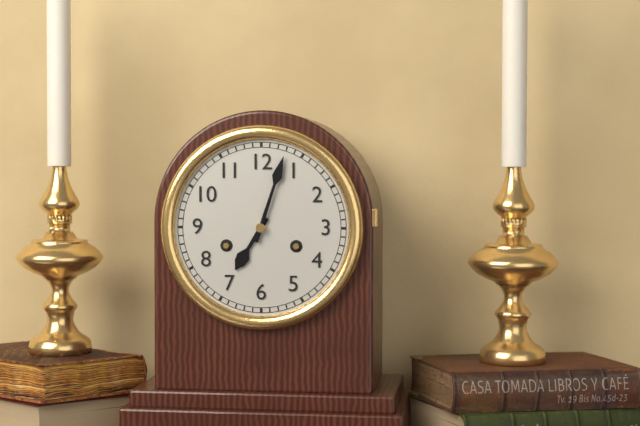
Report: {"hour": 7, "minute": 3}
